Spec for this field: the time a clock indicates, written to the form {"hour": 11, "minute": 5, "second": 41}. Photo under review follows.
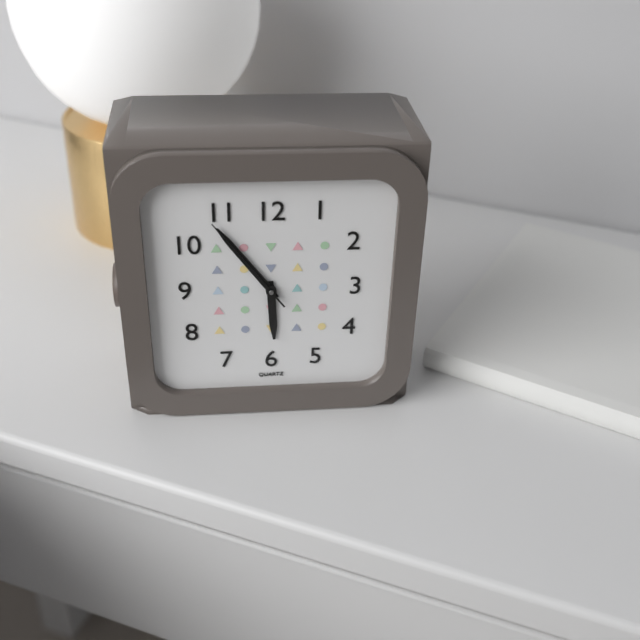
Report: {"hour": 5, "minute": 54, "second": 54}
